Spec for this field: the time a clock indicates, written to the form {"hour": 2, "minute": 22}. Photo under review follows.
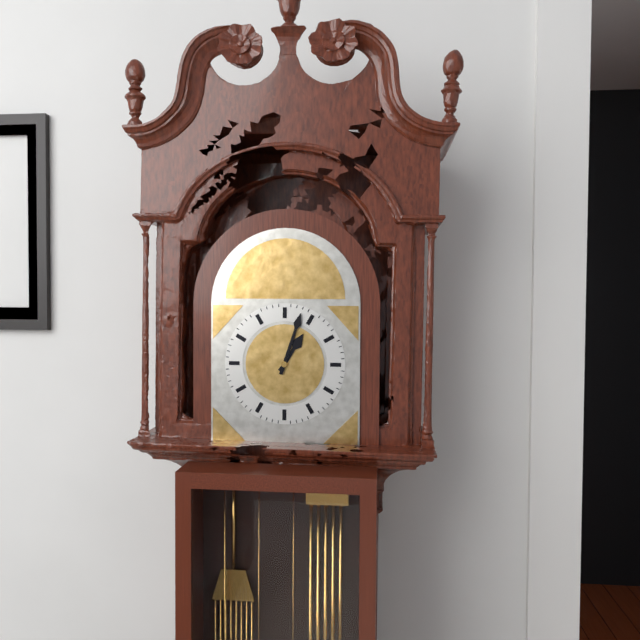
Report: {"hour": 1, "minute": 3}
